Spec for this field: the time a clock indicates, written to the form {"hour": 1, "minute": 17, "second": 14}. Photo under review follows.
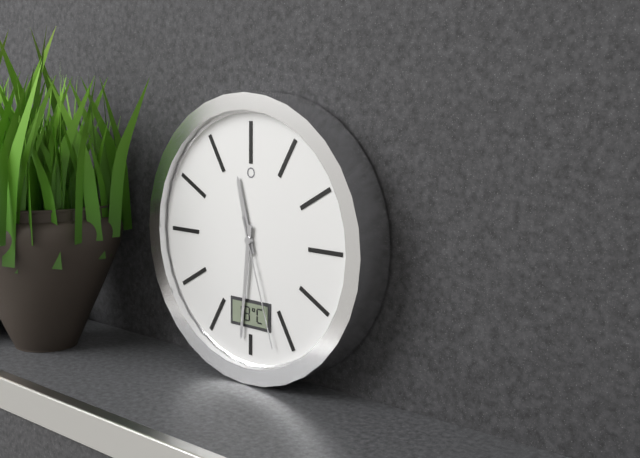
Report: {"hour": 11, "minute": 31, "second": 27}
